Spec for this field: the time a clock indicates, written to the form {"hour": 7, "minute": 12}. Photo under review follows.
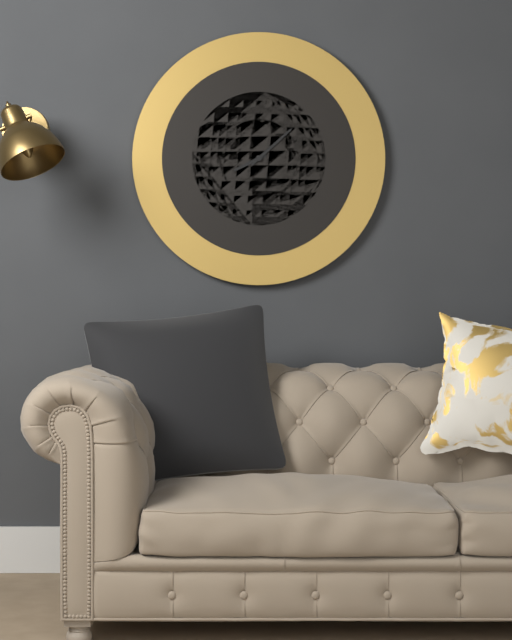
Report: {"hour": 8, "minute": 8}
